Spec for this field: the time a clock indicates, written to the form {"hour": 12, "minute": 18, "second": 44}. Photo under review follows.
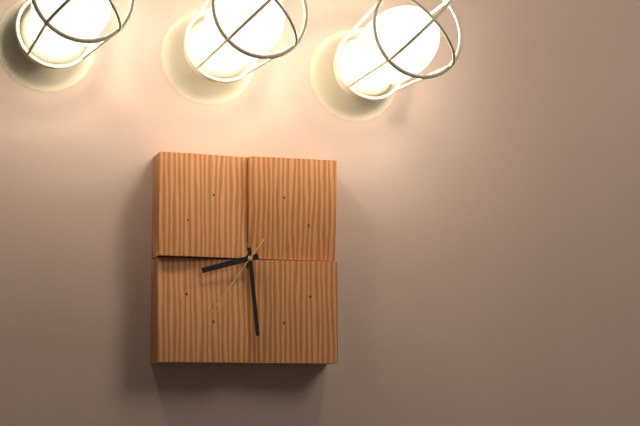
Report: {"hour": 8, "minute": 29, "second": 36}
